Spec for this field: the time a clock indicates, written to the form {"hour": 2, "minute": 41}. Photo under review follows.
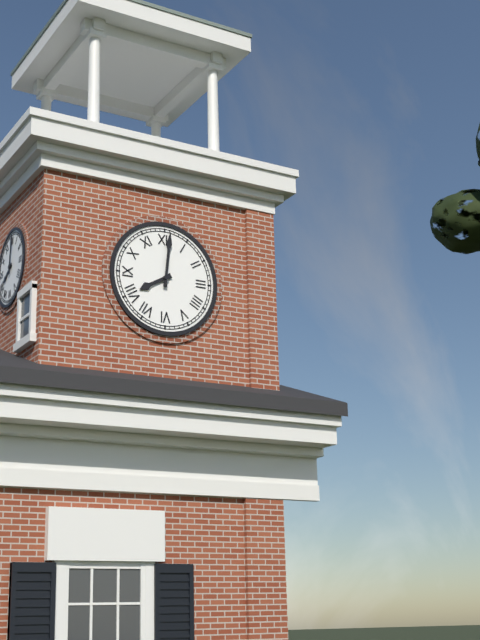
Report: {"hour": 8, "minute": 1}
